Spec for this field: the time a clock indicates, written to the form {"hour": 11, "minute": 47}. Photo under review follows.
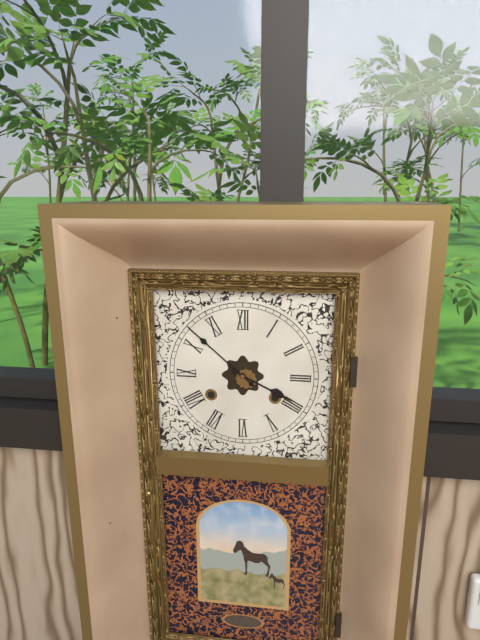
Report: {"hour": 3, "minute": 52}
